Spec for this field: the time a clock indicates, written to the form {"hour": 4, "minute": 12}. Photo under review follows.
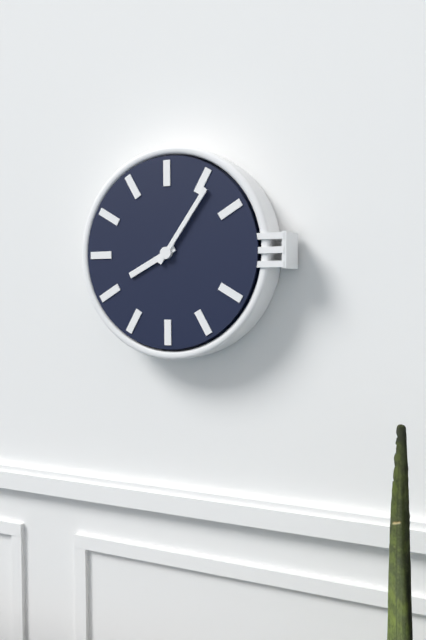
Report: {"hour": 8, "minute": 6}
